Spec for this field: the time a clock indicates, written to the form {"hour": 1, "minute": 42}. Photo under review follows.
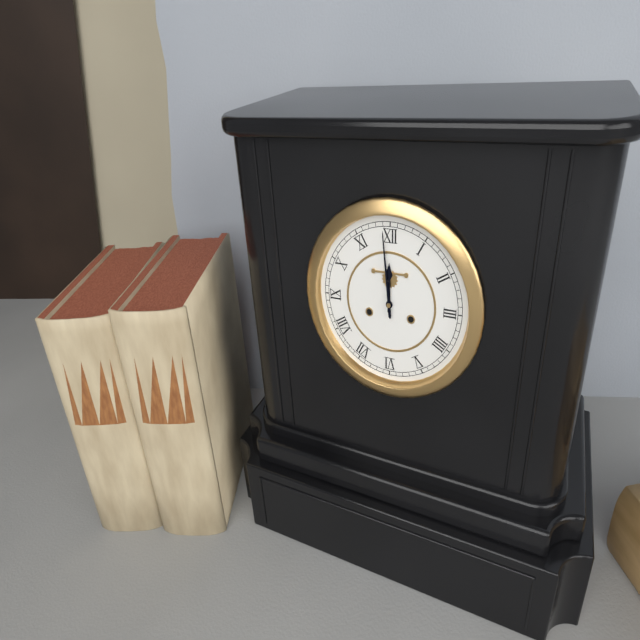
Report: {"hour": 11, "minute": 59}
